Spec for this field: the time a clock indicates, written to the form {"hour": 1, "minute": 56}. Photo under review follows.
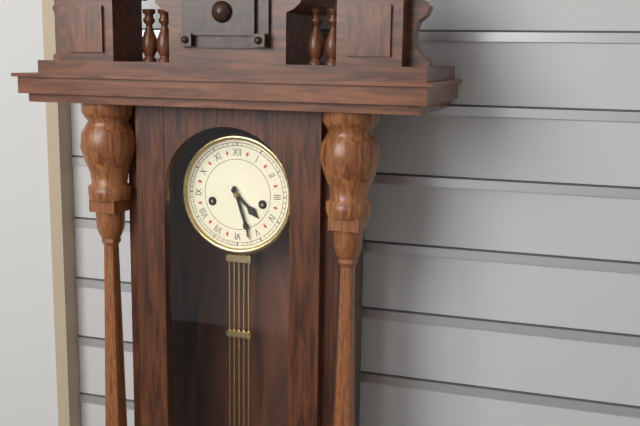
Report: {"hour": 4, "minute": 27}
